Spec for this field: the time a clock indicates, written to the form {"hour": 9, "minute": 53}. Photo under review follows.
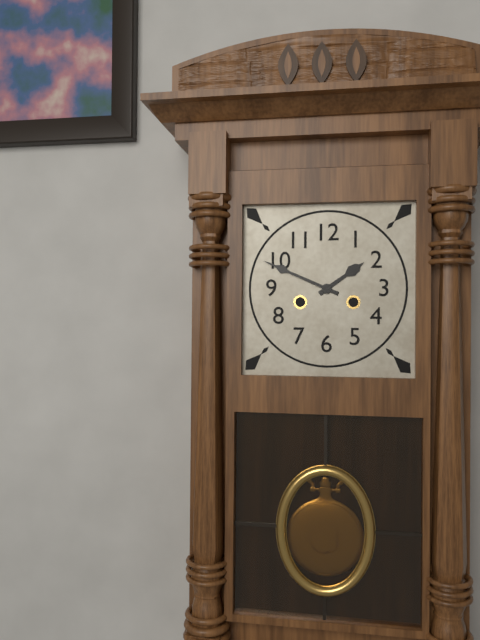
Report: {"hour": 1, "minute": 49}
